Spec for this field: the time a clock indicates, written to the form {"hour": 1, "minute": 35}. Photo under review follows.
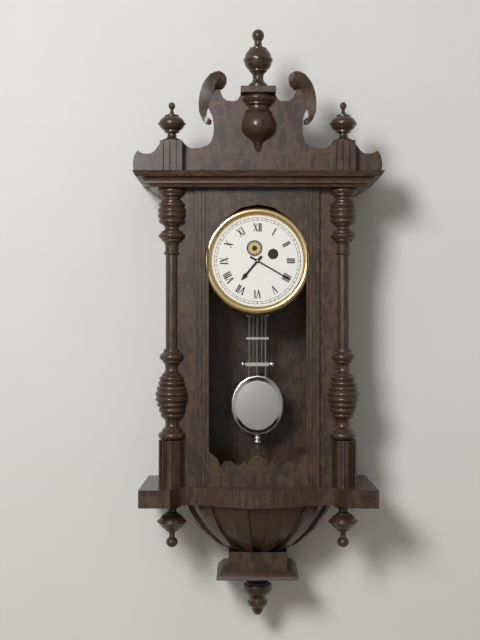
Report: {"hour": 7, "minute": 20}
